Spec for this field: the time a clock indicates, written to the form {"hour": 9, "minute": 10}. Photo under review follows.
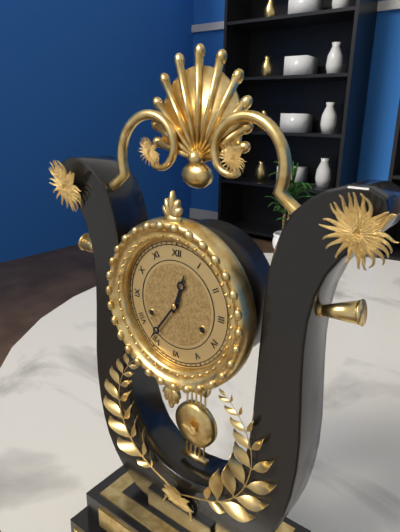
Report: {"hour": 12, "minute": 36}
